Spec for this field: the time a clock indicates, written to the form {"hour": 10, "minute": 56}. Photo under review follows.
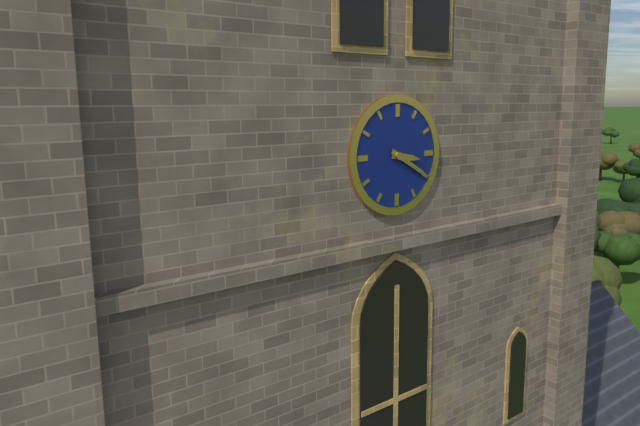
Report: {"hour": 3, "minute": 20}
